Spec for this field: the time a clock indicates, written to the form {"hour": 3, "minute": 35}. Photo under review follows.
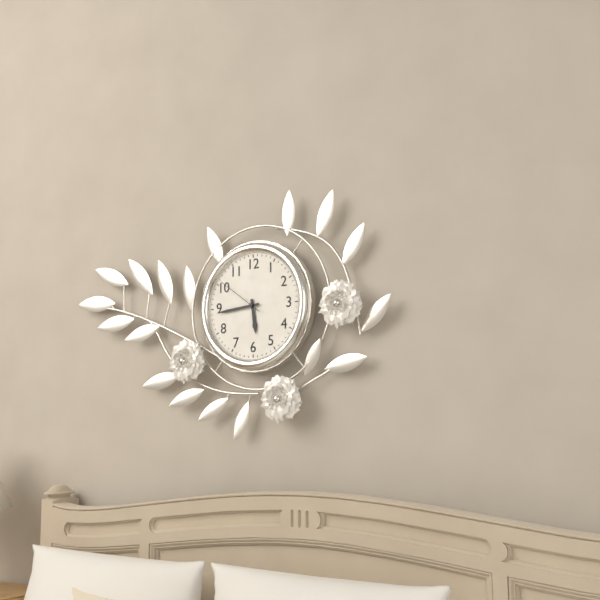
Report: {"hour": 5, "minute": 44}
